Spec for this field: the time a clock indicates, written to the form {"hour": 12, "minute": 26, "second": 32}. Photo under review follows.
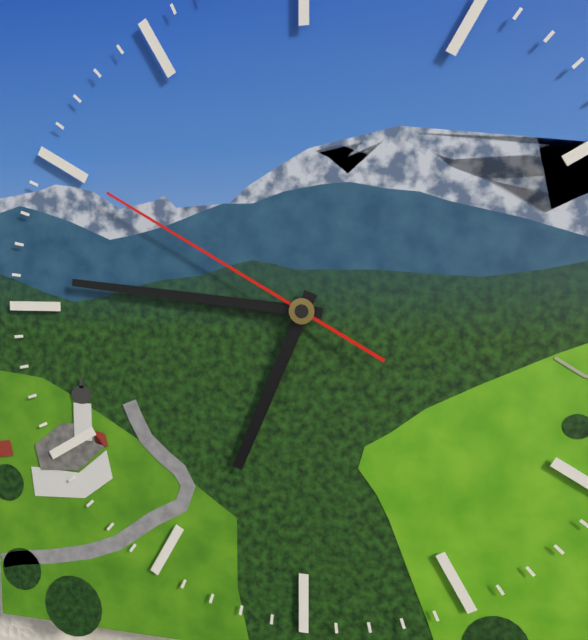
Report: {"hour": 6, "minute": 46, "second": 50}
